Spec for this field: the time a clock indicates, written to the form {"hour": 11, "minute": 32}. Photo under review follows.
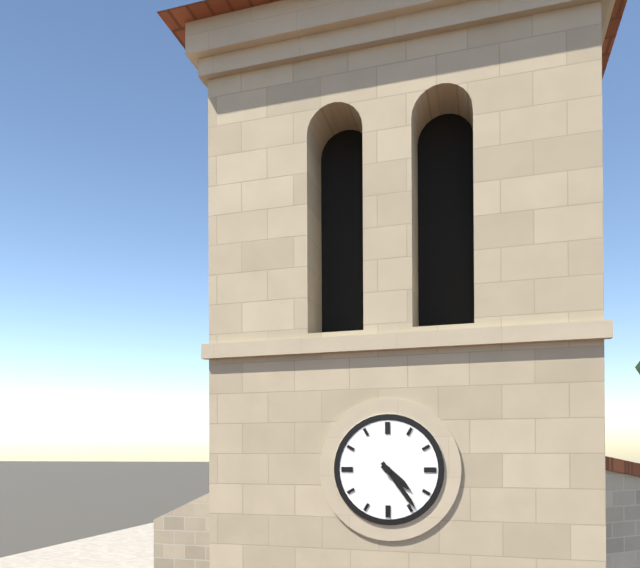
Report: {"hour": 4, "minute": 24}
